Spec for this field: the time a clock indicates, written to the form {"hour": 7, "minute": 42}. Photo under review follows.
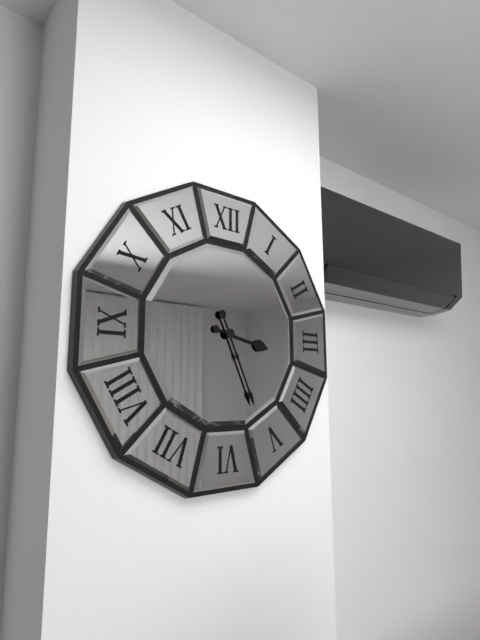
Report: {"hour": 3, "minute": 26}
